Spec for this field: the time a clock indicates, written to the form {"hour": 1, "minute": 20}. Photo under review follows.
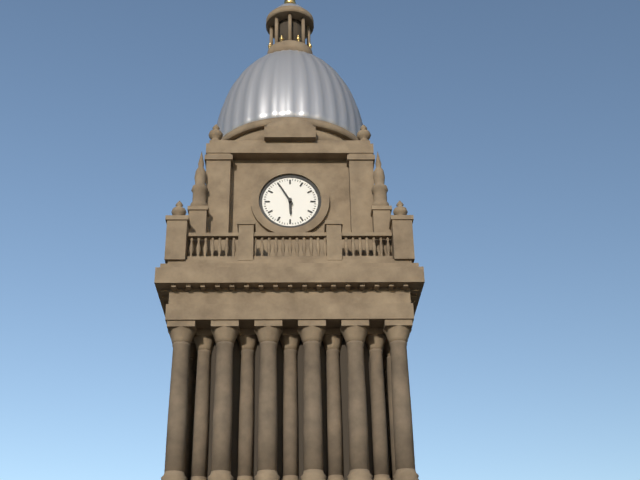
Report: {"hour": 5, "minute": 55}
